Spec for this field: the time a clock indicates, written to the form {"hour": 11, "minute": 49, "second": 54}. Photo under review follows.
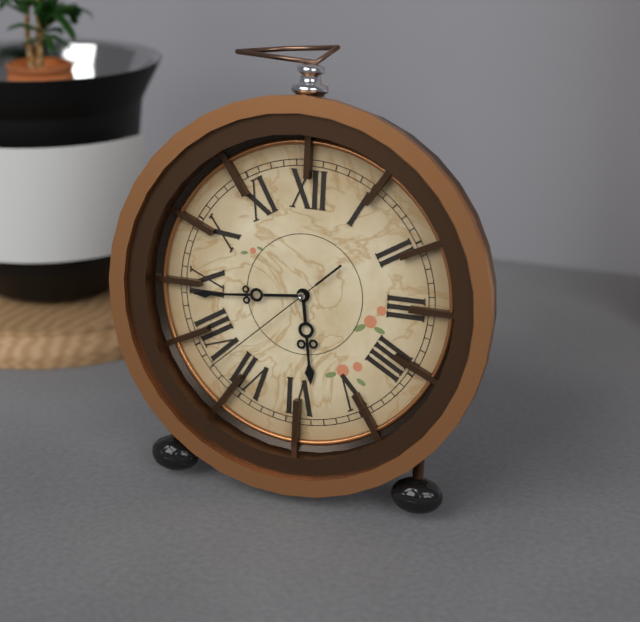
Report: {"hour": 5, "minute": 44, "second": 38}
